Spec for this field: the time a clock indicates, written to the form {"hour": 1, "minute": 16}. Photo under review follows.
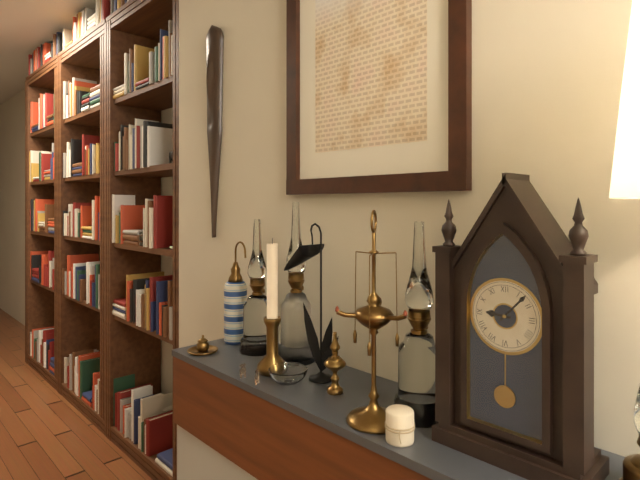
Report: {"hour": 9, "minute": 7}
